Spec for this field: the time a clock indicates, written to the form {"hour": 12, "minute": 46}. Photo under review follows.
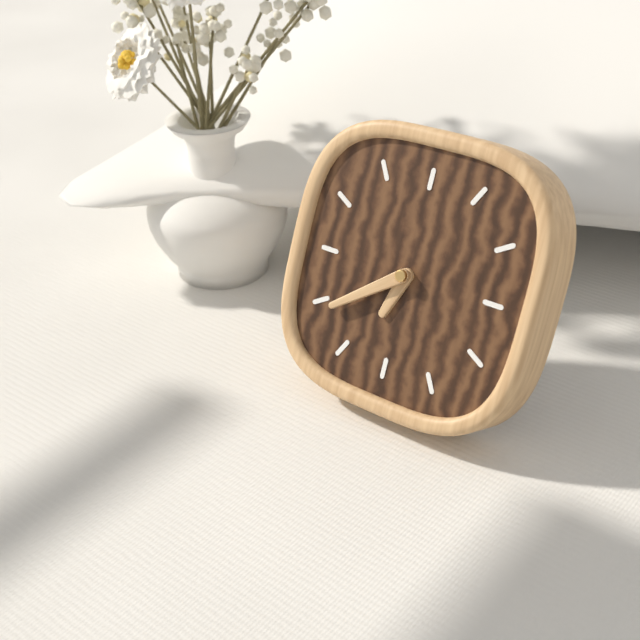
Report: {"hour": 6, "minute": 39}
